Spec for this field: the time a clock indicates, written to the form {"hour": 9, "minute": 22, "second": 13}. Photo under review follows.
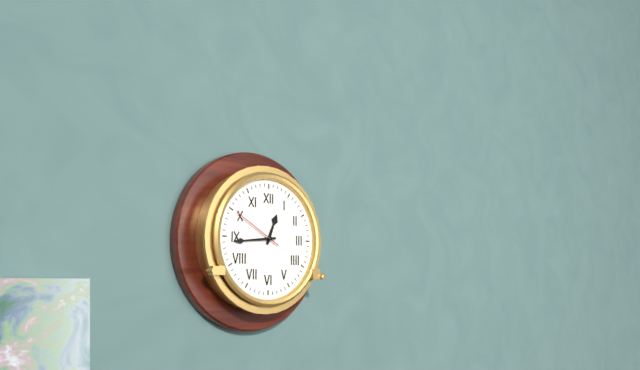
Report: {"hour": 12, "minute": 44, "second": 50}
